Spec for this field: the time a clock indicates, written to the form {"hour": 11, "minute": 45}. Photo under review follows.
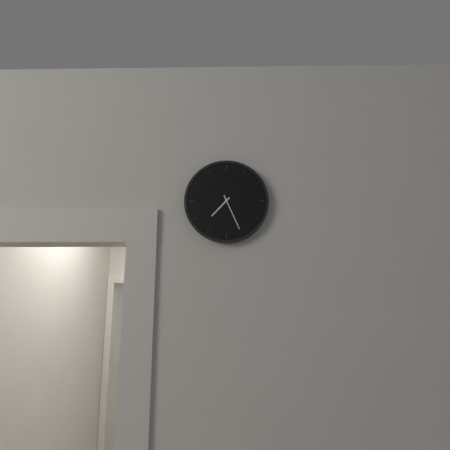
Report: {"hour": 7, "minute": 26}
